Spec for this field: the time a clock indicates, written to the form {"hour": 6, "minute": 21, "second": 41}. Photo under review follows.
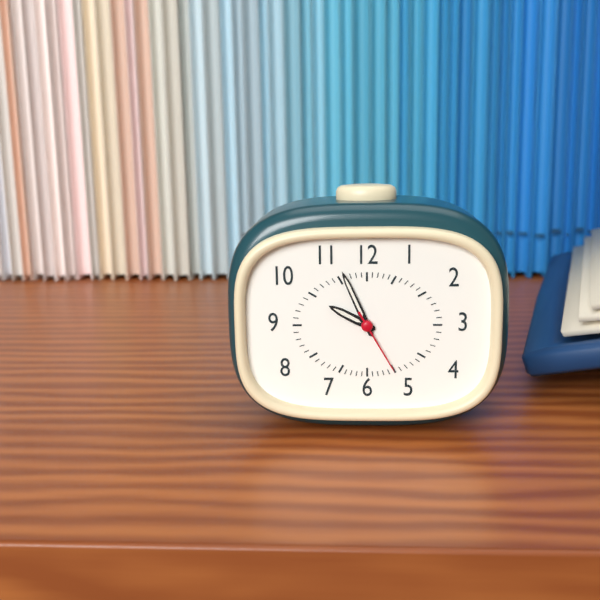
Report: {"hour": 9, "minute": 56, "second": 25}
